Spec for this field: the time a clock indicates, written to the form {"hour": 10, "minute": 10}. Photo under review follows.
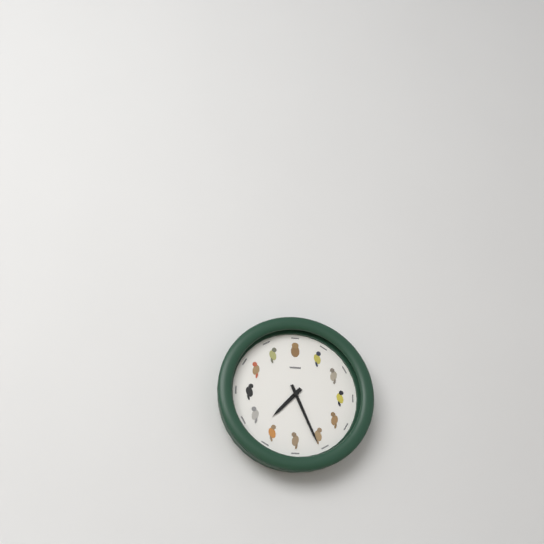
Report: {"hour": 7, "minute": 26}
